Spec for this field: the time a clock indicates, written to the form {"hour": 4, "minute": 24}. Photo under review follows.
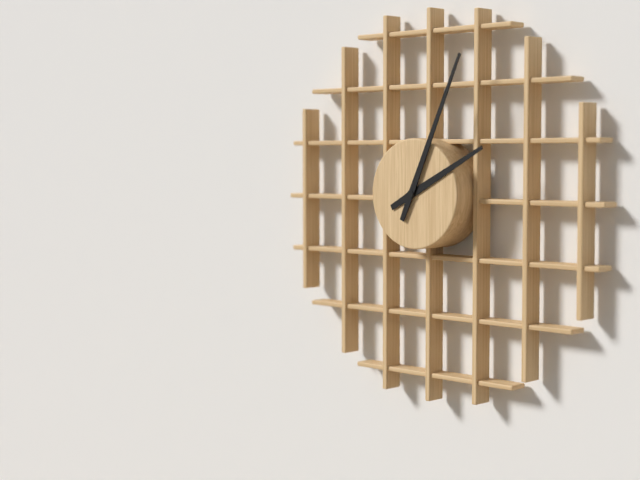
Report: {"hour": 2, "minute": 4}
